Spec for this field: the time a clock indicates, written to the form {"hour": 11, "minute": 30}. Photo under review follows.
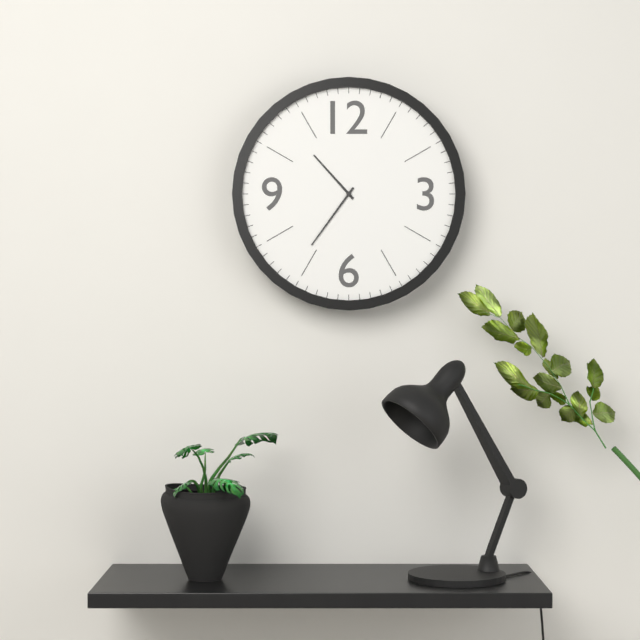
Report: {"hour": 10, "minute": 36}
